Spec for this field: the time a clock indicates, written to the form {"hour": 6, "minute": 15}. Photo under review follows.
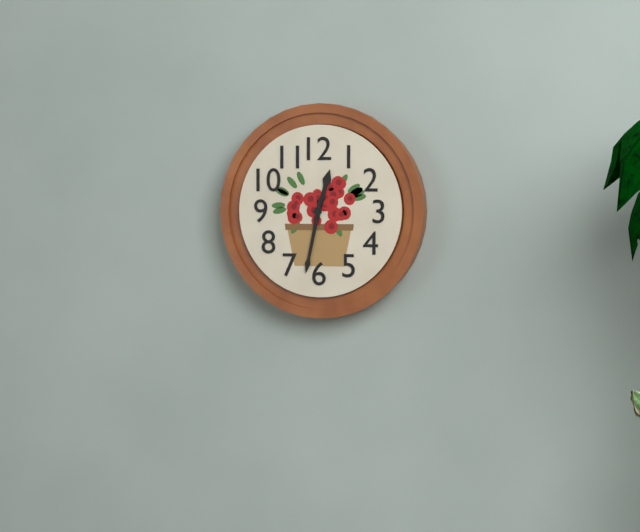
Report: {"hour": 12, "minute": 32}
